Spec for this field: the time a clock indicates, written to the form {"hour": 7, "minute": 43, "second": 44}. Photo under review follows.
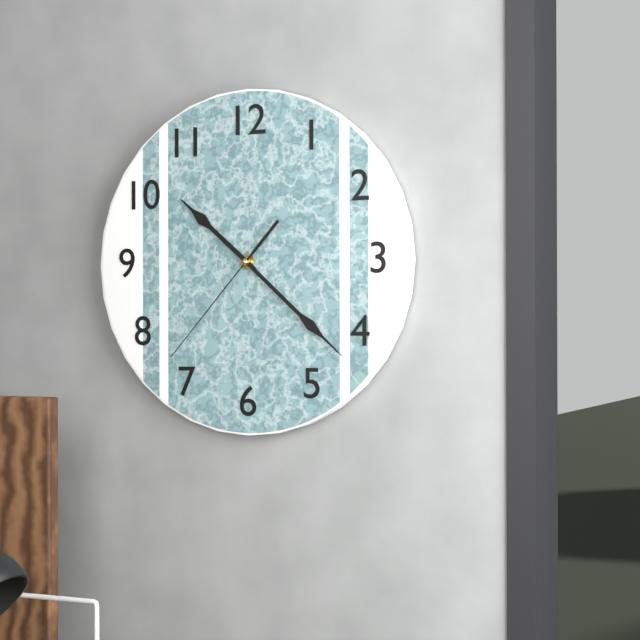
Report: {"hour": 10, "minute": 22, "second": 37}
